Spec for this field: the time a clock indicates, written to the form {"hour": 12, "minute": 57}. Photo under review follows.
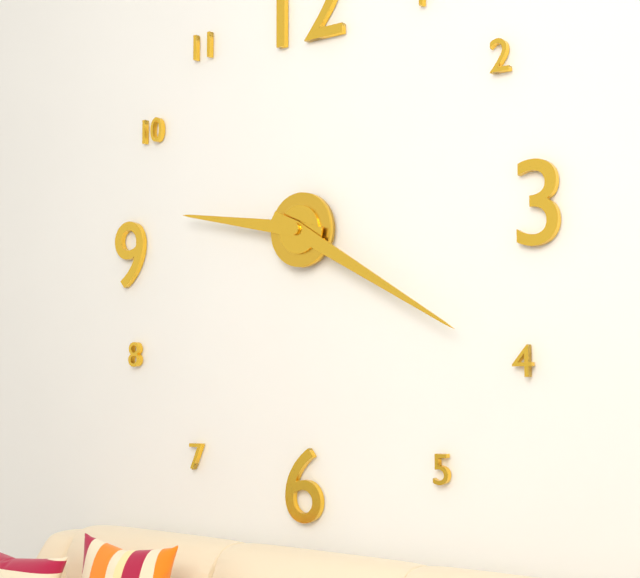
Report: {"hour": 9, "minute": 20}
